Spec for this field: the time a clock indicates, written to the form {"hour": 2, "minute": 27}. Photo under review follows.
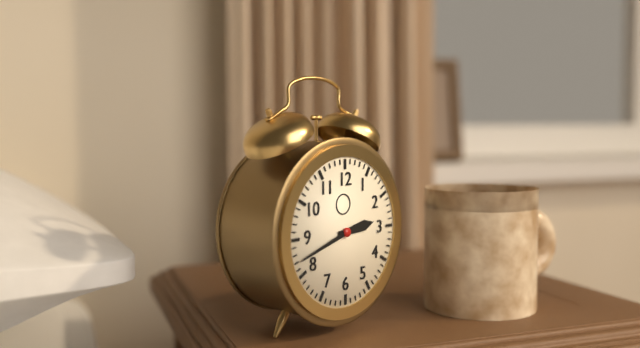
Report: {"hour": 2, "minute": 42}
